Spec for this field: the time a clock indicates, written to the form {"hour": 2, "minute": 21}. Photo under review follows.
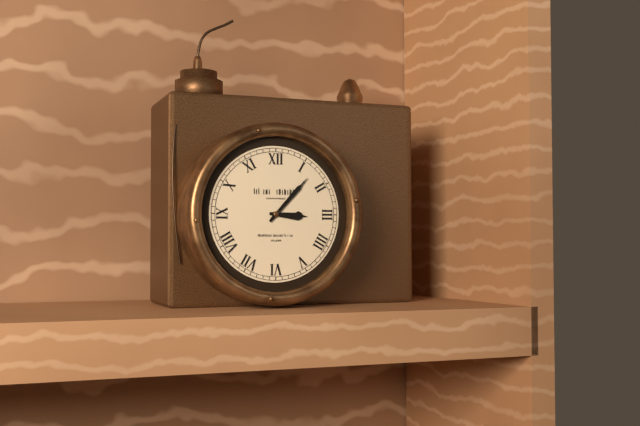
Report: {"hour": 3, "minute": 7}
